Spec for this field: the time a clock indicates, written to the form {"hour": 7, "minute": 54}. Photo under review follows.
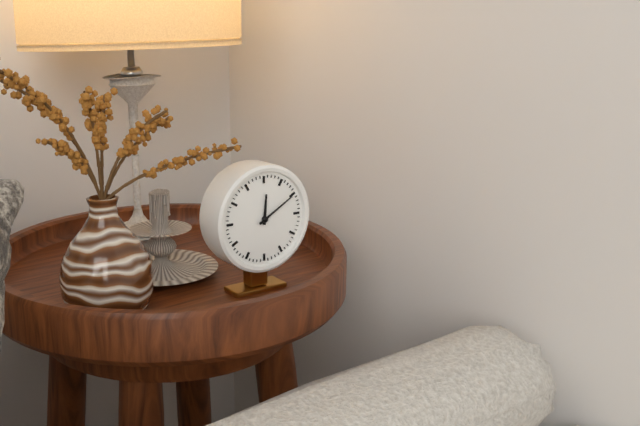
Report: {"hour": 12, "minute": 10}
